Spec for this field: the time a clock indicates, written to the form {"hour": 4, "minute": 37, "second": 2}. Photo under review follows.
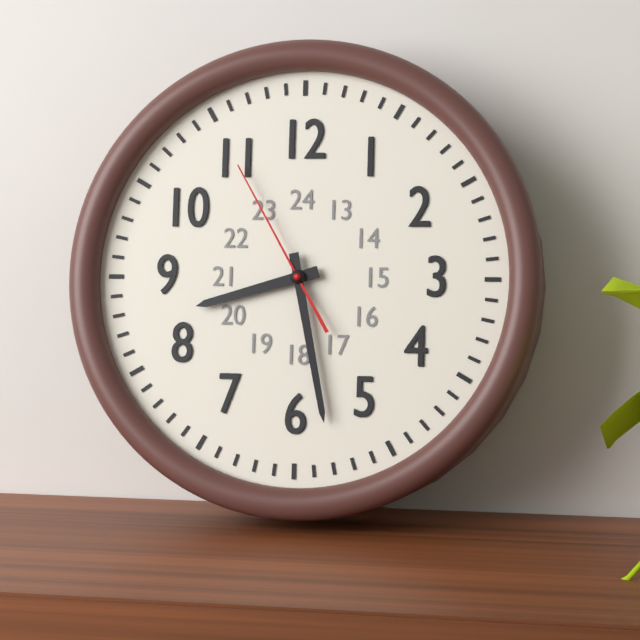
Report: {"hour": 8, "minute": 28, "second": 55}
